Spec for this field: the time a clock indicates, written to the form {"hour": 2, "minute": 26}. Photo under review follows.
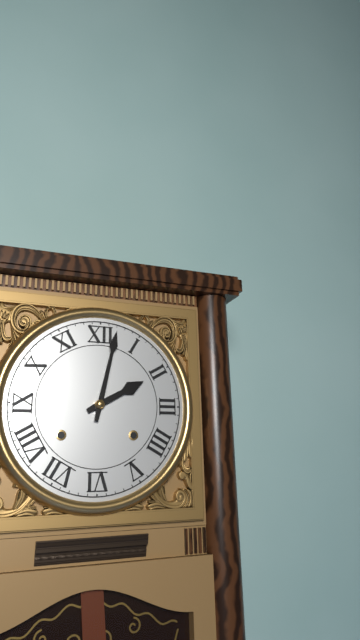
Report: {"hour": 2, "minute": 2}
